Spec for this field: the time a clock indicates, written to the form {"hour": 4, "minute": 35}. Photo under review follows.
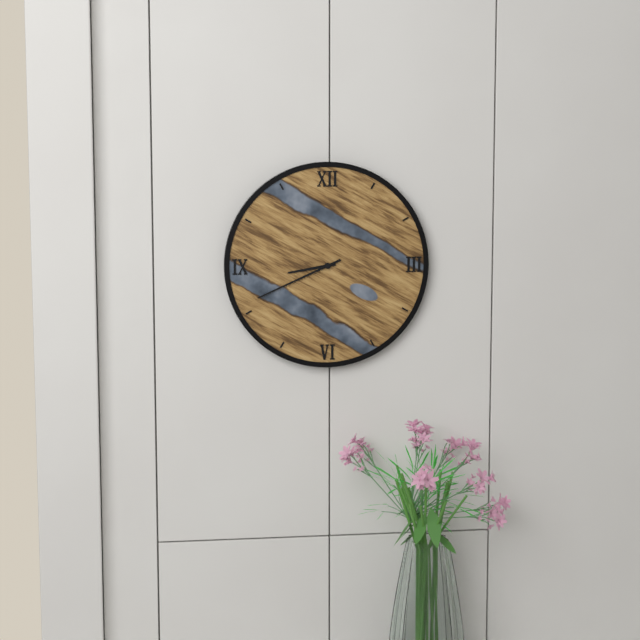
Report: {"hour": 8, "minute": 41}
